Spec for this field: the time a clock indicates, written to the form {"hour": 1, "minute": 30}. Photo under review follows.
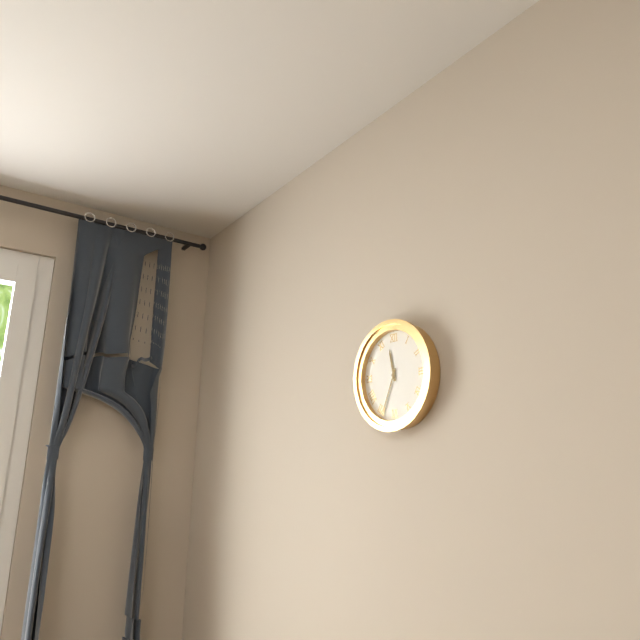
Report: {"hour": 11, "minute": 34}
